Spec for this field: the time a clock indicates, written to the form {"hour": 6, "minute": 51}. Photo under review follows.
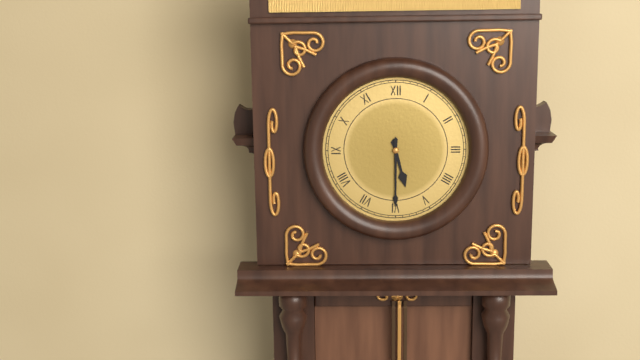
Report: {"hour": 5, "minute": 30}
